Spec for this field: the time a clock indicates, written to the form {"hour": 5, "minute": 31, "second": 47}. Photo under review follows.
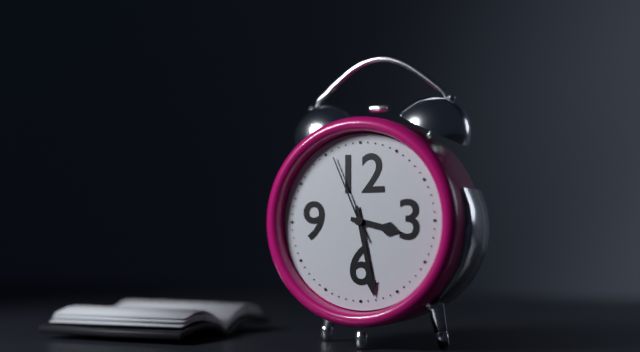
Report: {"hour": 3, "minute": 28, "second": 56}
